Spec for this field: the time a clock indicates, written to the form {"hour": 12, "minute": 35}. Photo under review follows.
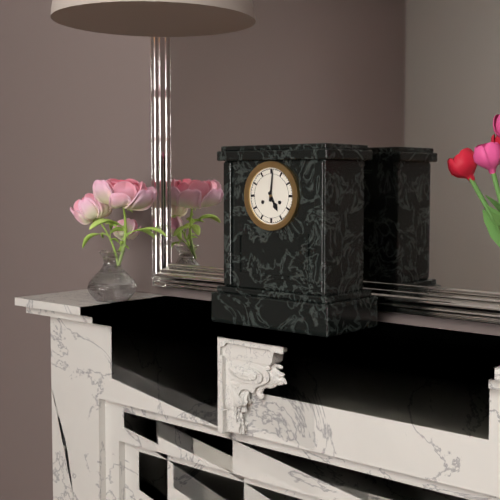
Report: {"hour": 5, "minute": 1}
